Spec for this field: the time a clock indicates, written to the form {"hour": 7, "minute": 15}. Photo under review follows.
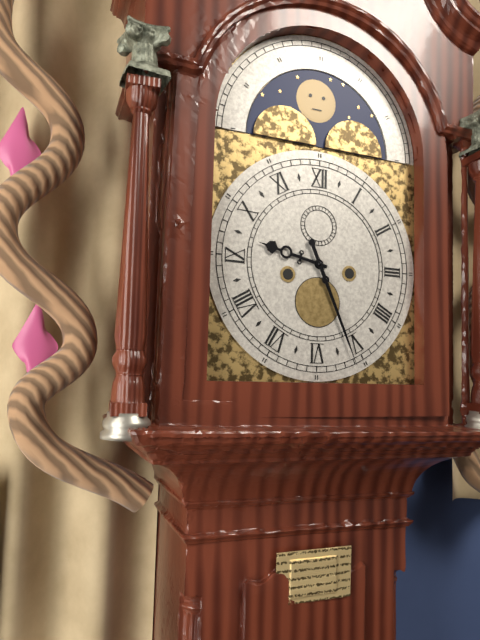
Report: {"hour": 9, "minute": 26}
